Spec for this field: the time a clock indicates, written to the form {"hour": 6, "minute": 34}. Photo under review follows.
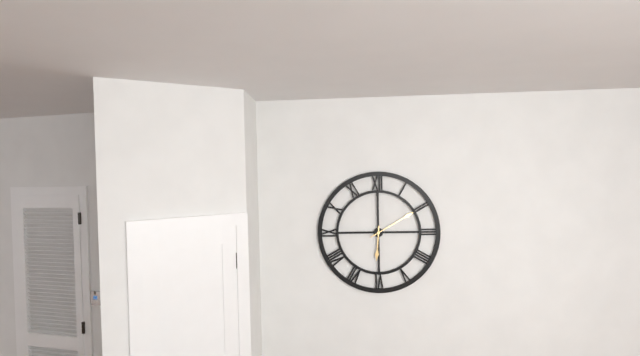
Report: {"hour": 6, "minute": 10}
